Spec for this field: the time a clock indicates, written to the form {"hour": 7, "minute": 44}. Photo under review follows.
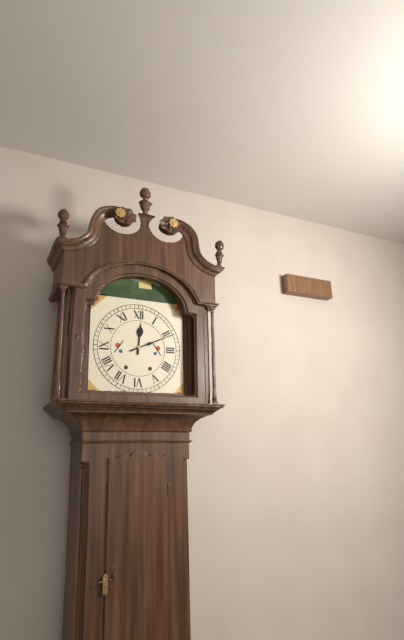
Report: {"hour": 12, "minute": 11}
